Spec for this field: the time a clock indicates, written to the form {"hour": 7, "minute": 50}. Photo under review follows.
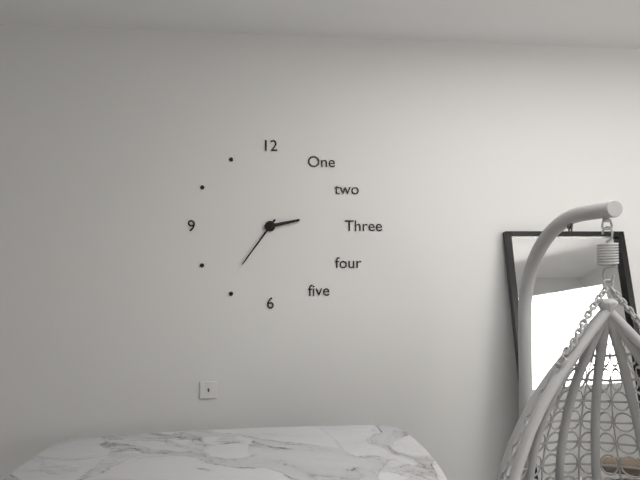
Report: {"hour": 2, "minute": 36}
